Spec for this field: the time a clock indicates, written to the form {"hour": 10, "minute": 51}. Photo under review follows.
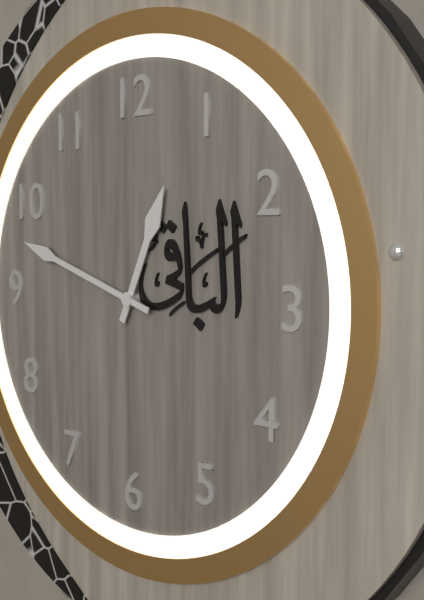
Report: {"hour": 12, "minute": 48}
